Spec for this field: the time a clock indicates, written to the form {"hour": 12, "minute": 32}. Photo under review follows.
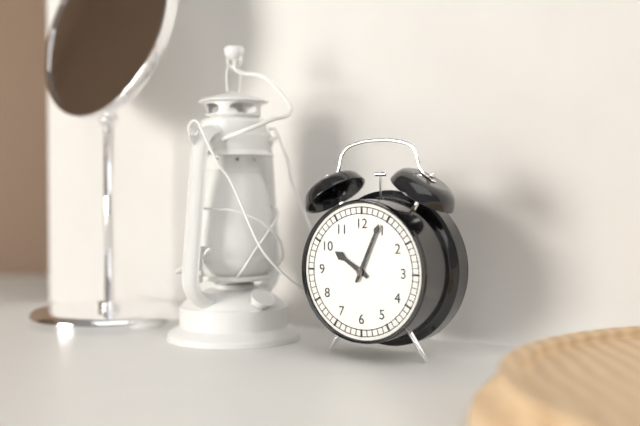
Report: {"hour": 10, "minute": 4}
